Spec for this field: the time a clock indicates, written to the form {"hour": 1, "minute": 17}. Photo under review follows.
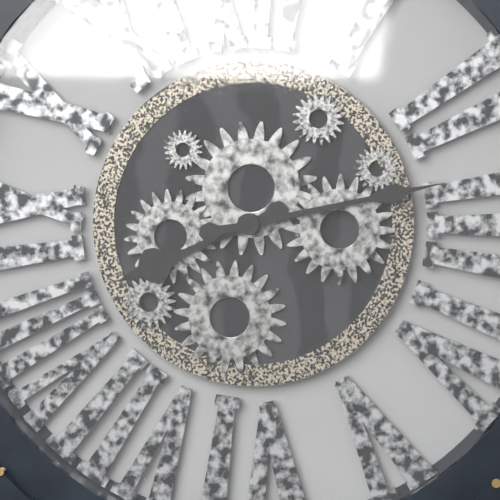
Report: {"hour": 8, "minute": 13}
